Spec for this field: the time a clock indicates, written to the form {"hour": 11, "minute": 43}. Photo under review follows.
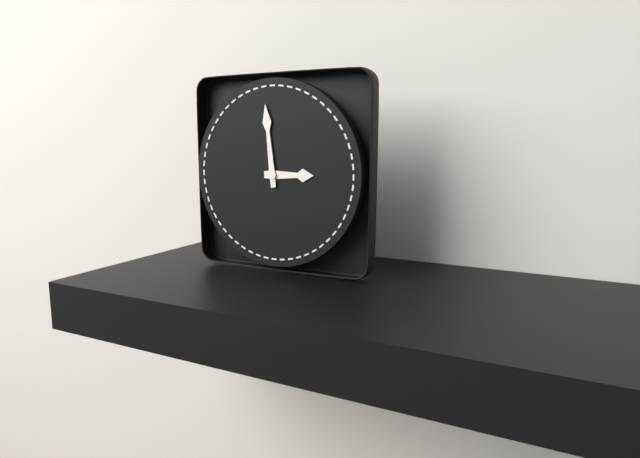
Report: {"hour": 2, "minute": 59}
